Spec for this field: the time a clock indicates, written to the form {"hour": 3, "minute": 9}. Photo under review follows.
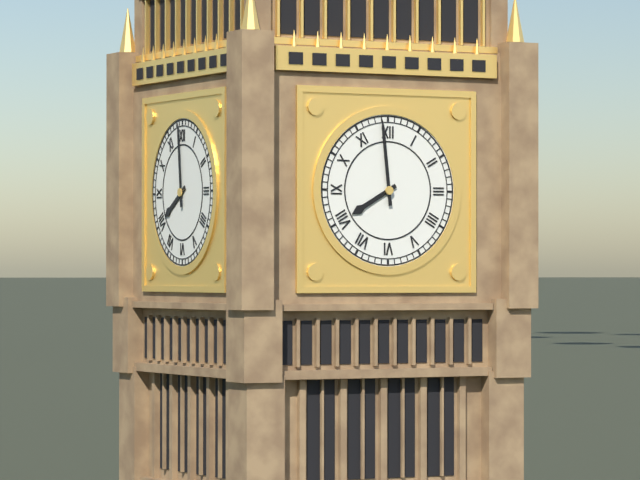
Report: {"hour": 7, "minute": 59}
